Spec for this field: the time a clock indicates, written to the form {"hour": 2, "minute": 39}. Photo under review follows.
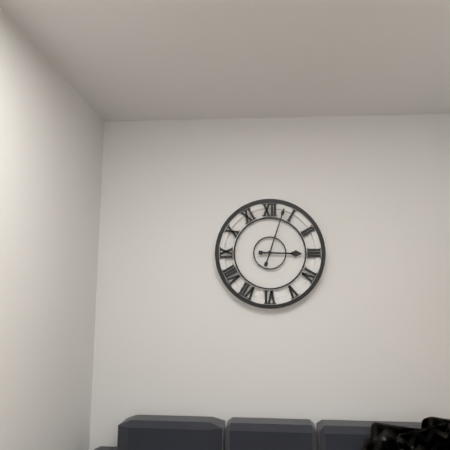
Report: {"hour": 3, "minute": 3}
